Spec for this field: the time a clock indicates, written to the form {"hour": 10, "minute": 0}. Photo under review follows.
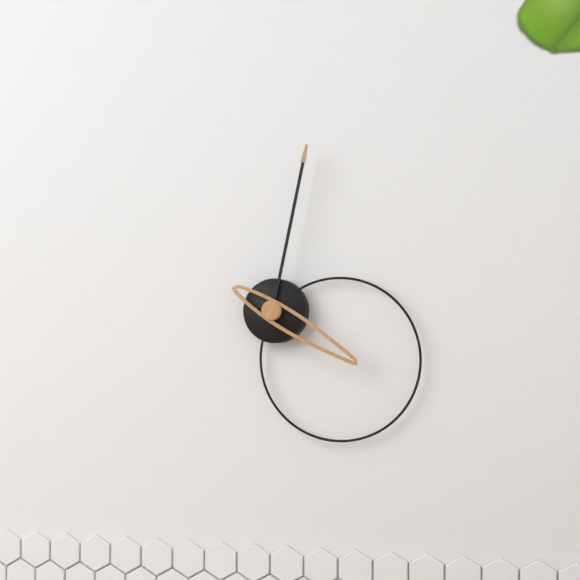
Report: {"hour": 4, "minute": 2}
